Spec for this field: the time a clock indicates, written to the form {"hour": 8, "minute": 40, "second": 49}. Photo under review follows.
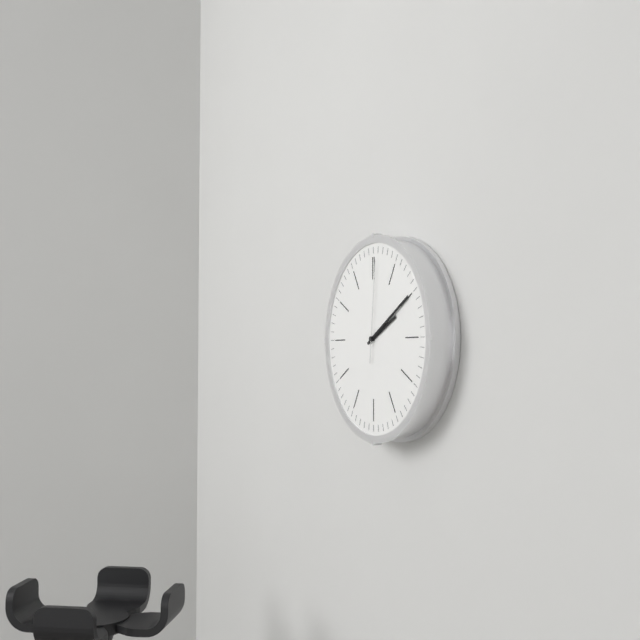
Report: {"hour": 2, "minute": 10, "second": 1}
